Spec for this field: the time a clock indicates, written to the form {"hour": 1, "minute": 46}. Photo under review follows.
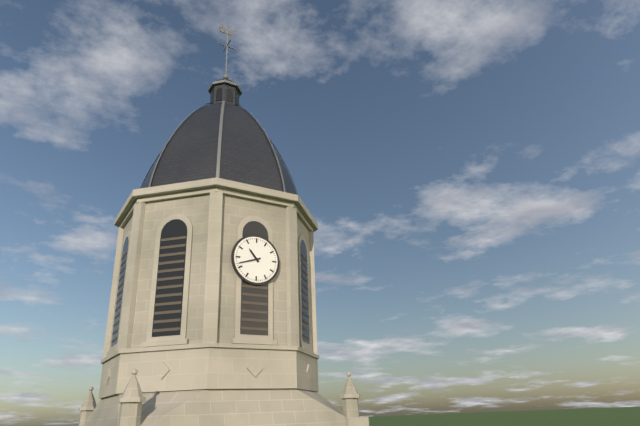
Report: {"hour": 10, "minute": 42}
